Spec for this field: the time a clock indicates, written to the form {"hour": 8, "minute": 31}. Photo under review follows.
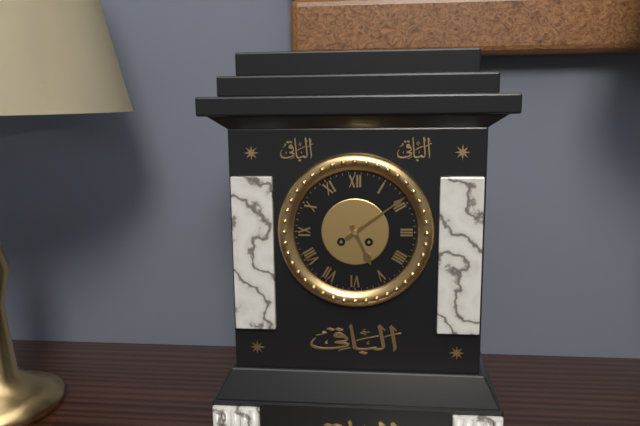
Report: {"hour": 5, "minute": 9}
